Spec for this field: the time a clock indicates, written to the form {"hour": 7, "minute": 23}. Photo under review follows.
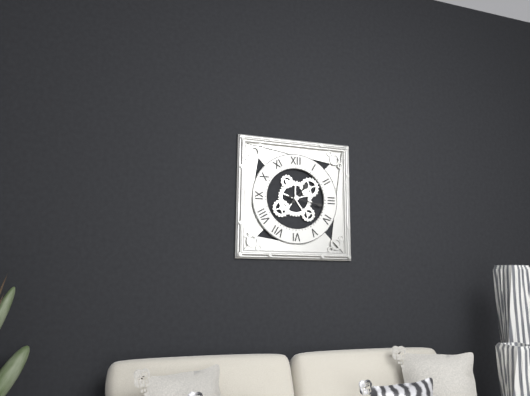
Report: {"hour": 1, "minute": 17}
